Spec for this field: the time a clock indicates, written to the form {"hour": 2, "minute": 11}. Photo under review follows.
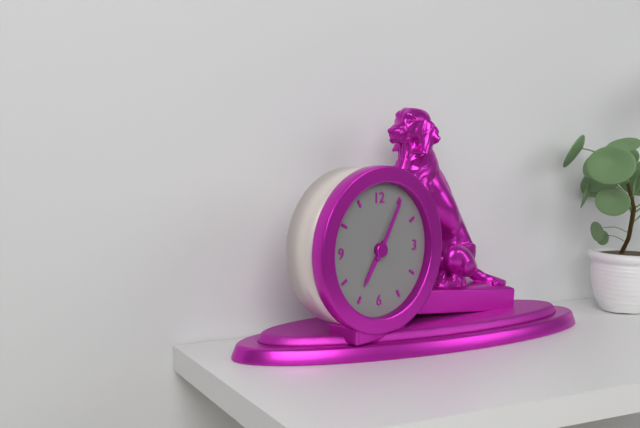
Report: {"hour": 7, "minute": 5}
